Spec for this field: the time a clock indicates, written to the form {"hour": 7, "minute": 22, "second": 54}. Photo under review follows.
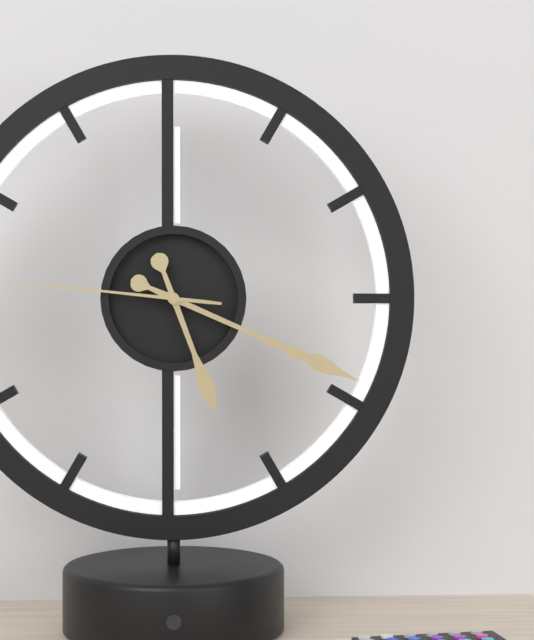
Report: {"hour": 5, "minute": 19, "second": 46}
